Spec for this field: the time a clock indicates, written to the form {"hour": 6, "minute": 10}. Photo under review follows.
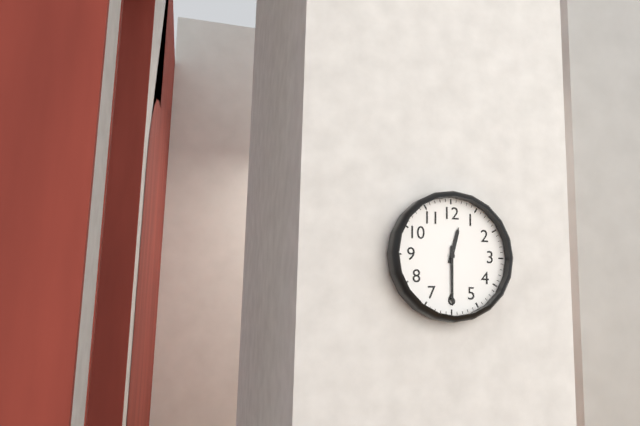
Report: {"hour": 12, "minute": 30}
